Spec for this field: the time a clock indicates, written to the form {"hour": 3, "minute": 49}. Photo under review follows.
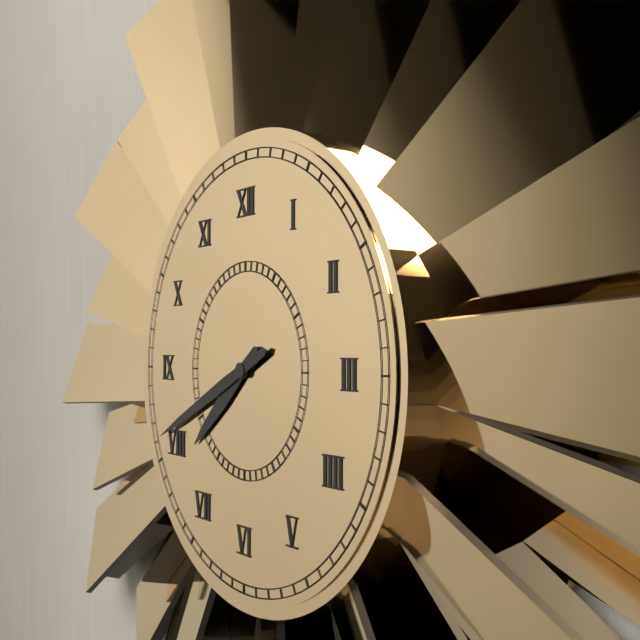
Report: {"hour": 7, "minute": 41}
